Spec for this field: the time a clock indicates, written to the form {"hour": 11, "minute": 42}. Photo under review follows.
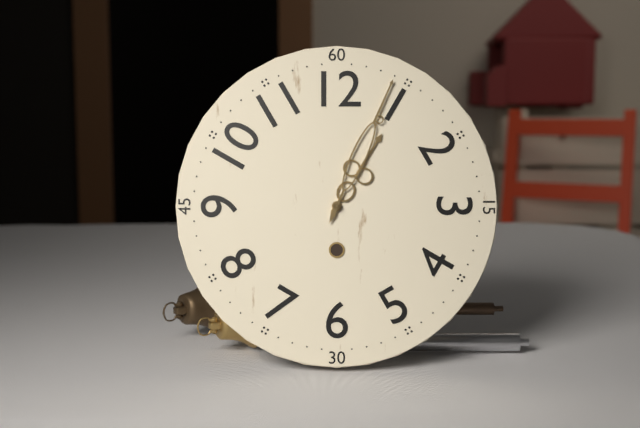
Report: {"hour": 1, "minute": 4}
